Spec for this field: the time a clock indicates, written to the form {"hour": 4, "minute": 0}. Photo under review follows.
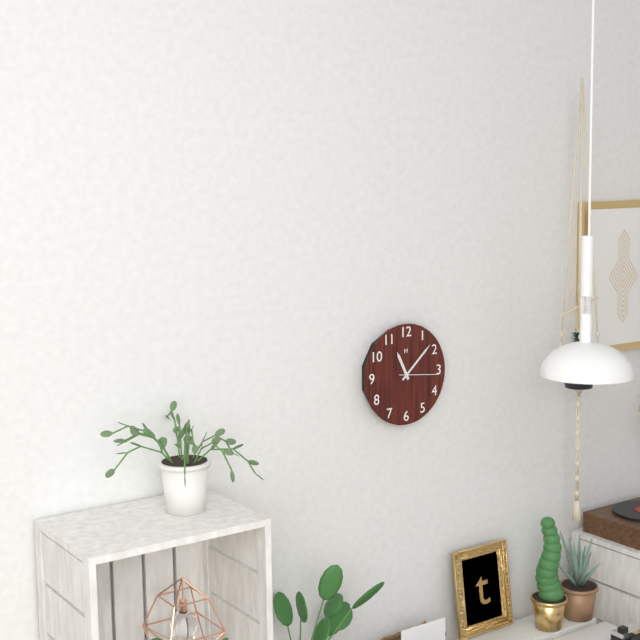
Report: {"hour": 11, "minute": 8}
